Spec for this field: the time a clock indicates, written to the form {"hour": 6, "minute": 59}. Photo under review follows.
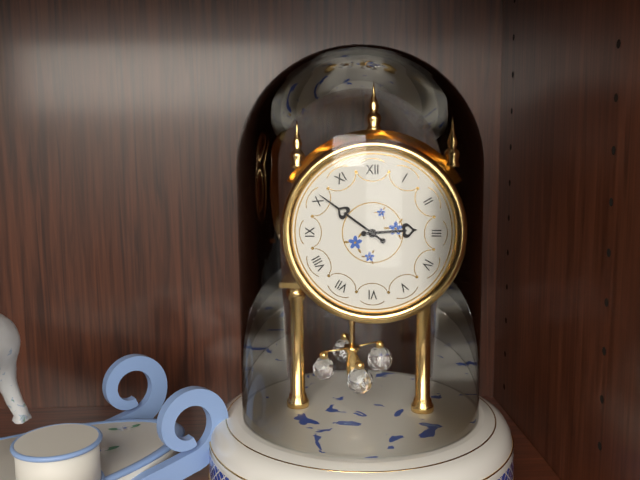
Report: {"hour": 2, "minute": 51}
